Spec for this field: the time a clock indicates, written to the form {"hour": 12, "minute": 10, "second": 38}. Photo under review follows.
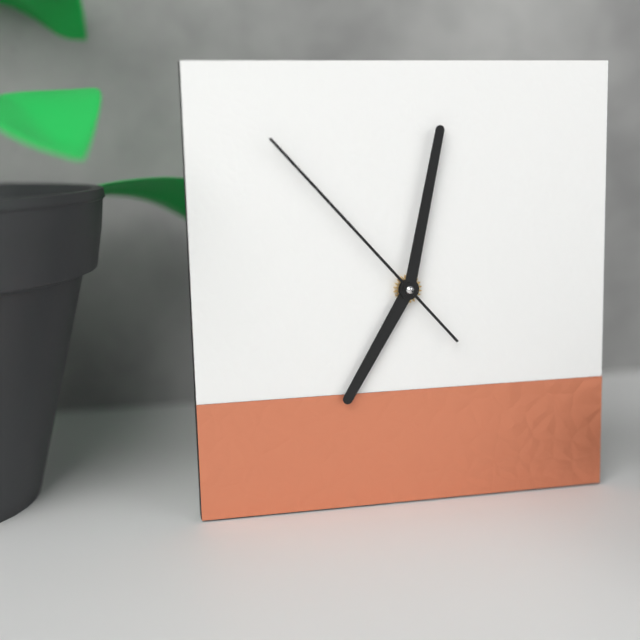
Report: {"hour": 7, "minute": 2, "second": 53}
